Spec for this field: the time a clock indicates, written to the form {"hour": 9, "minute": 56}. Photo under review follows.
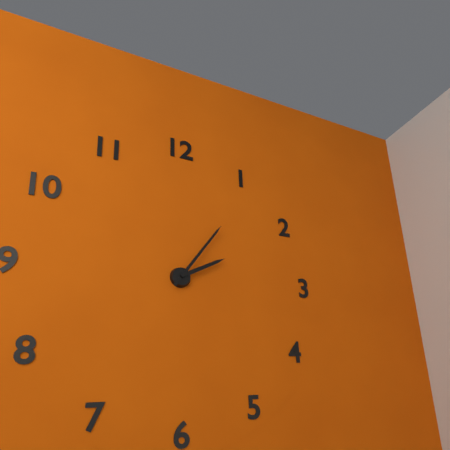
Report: {"hour": 2, "minute": 6}
